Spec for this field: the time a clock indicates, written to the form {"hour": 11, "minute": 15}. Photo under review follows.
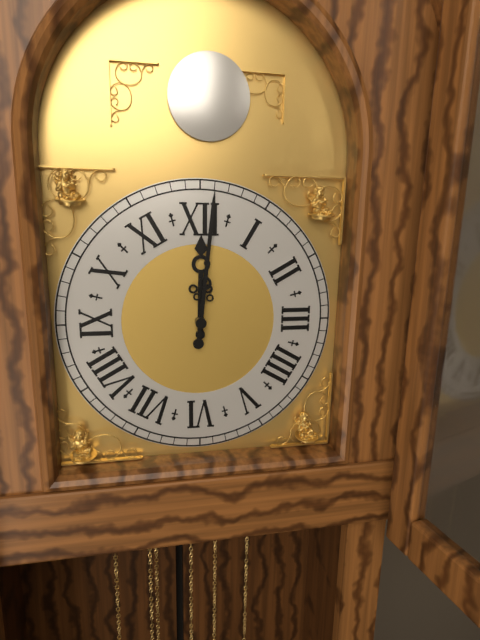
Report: {"hour": 12, "minute": 1}
